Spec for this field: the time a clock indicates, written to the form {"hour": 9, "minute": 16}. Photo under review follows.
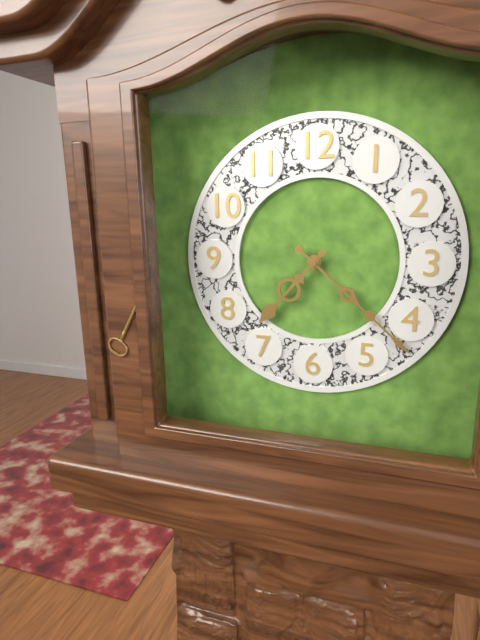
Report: {"hour": 7, "minute": 22}
